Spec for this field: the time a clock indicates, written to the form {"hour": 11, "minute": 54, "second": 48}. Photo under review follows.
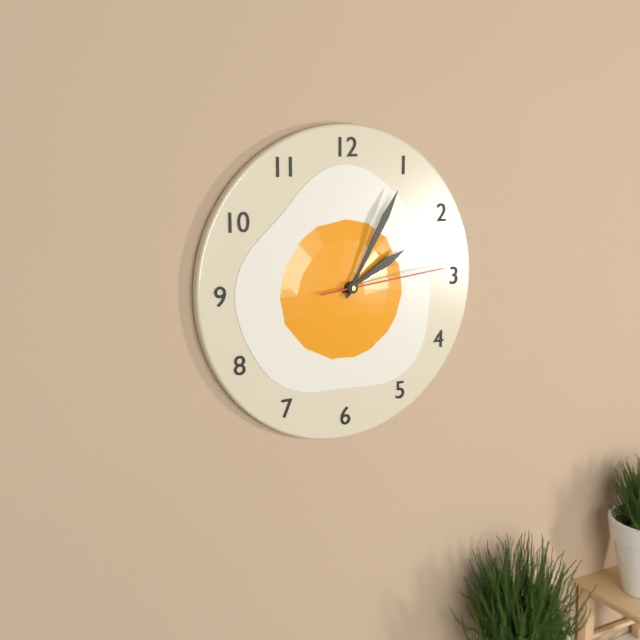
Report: {"hour": 2, "minute": 5, "second": 14}
